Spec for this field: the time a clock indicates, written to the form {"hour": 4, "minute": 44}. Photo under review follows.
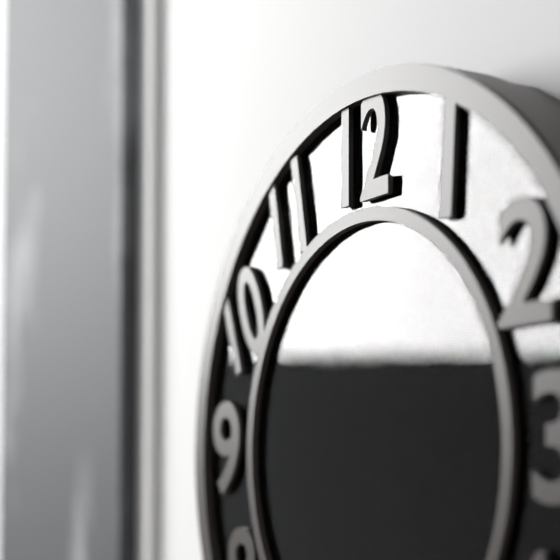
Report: {"hour": 12, "minute": 55}
